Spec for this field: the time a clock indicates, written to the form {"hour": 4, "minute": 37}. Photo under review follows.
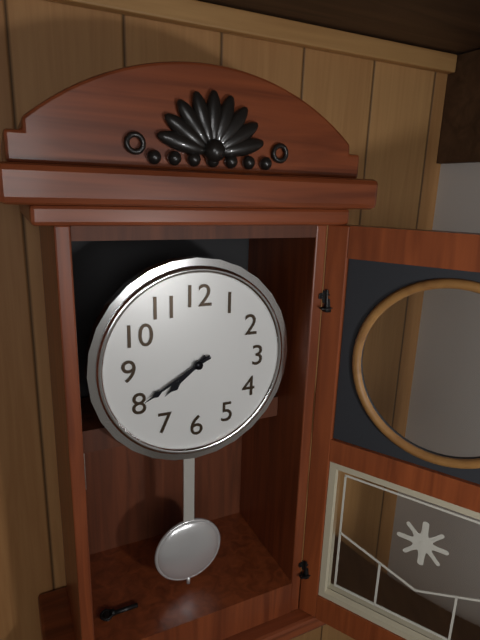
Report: {"hour": 7, "minute": 40}
